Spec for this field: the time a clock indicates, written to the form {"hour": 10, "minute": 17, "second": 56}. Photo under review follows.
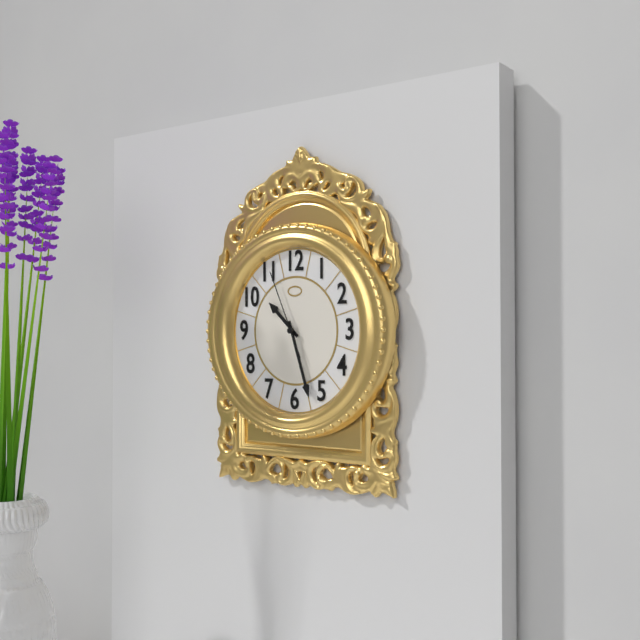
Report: {"hour": 10, "minute": 27, "second": 56}
